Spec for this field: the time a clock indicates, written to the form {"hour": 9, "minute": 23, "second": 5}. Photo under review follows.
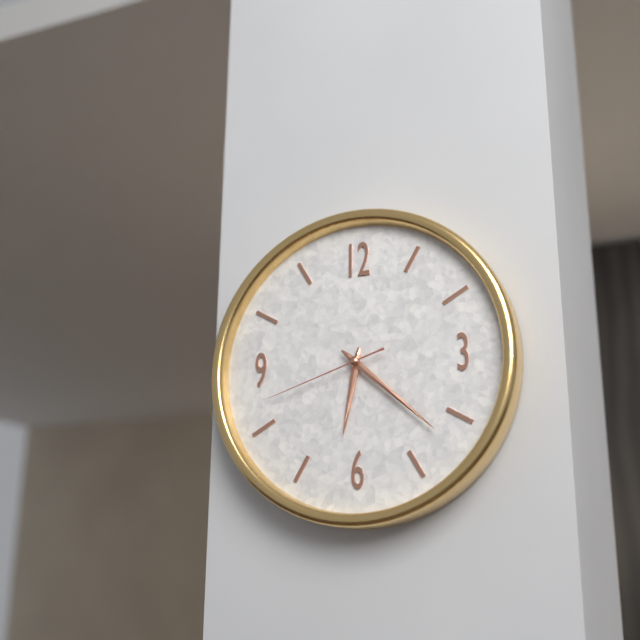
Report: {"hour": 6, "minute": 22, "second": 42}
